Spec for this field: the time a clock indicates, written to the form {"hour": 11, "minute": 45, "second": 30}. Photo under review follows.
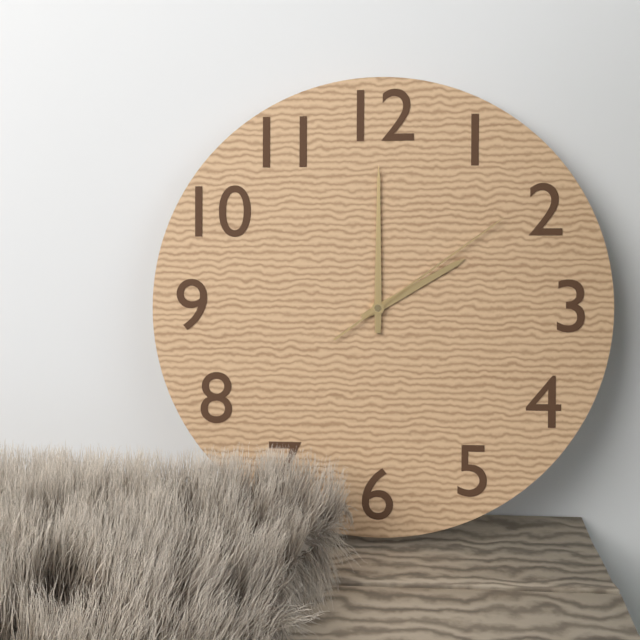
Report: {"hour": 2, "minute": 0, "second": 9}
